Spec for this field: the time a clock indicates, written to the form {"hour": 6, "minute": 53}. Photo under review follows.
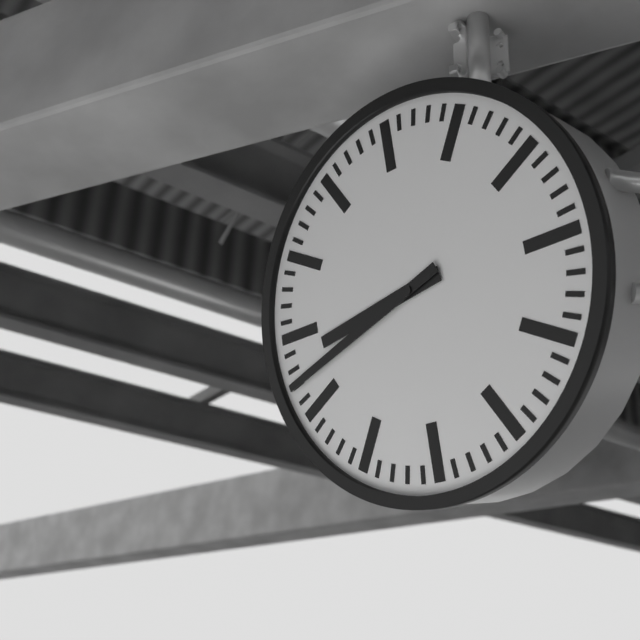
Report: {"hour": 8, "minute": 42}
